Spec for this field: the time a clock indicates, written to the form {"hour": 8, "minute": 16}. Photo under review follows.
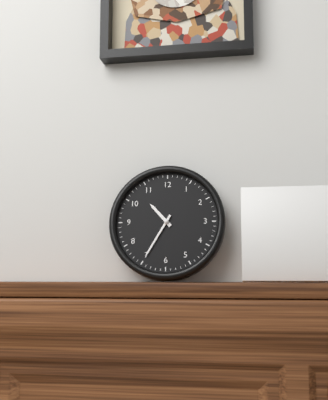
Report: {"hour": 10, "minute": 35}
